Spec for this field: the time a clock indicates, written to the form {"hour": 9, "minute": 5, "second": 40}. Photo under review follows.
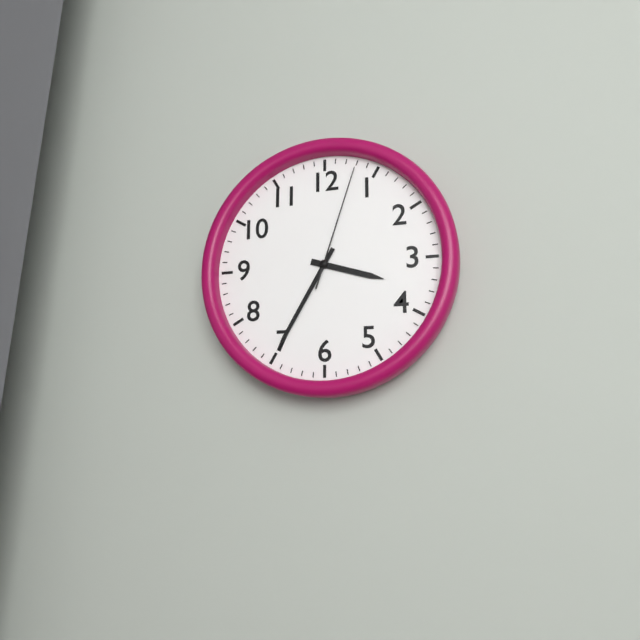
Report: {"hour": 3, "minute": 35, "second": 3}
